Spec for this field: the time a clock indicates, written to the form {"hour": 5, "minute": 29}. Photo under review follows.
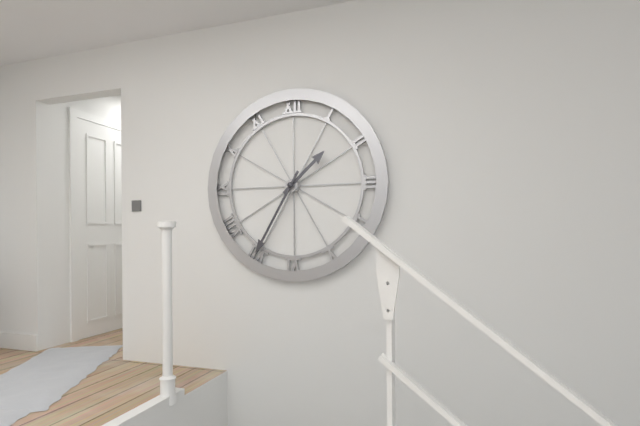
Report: {"hour": 1, "minute": 35}
